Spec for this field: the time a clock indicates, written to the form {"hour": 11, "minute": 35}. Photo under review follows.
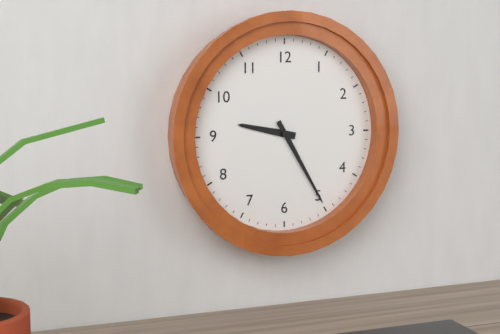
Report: {"hour": 9, "minute": 25}
